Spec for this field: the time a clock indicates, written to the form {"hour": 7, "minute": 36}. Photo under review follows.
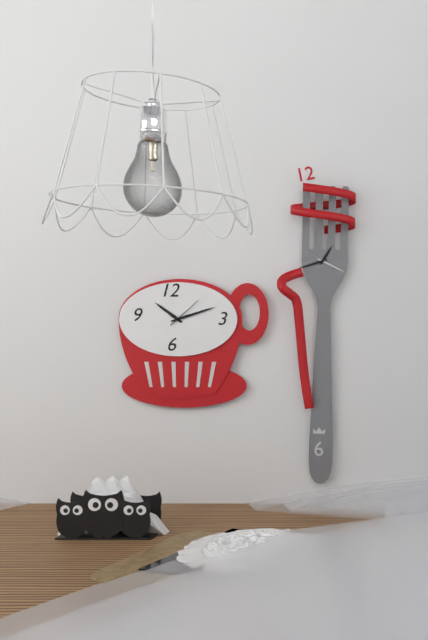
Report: {"hour": 10, "minute": 12}
